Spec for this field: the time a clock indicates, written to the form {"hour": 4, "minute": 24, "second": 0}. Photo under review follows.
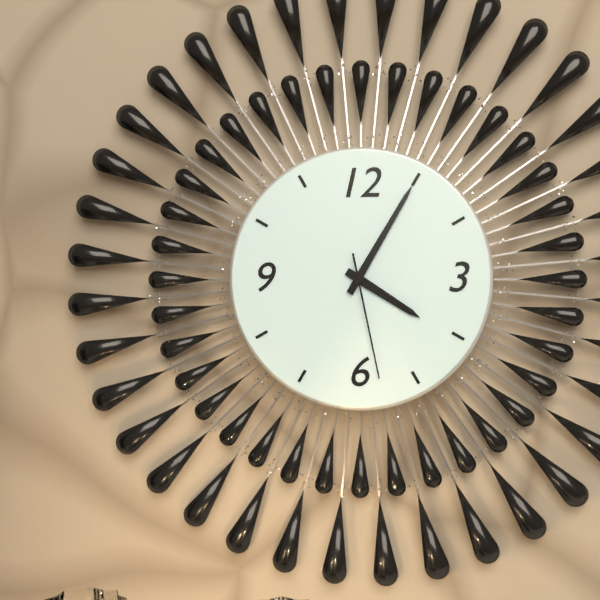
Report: {"hour": 4, "minute": 5, "second": 28}
